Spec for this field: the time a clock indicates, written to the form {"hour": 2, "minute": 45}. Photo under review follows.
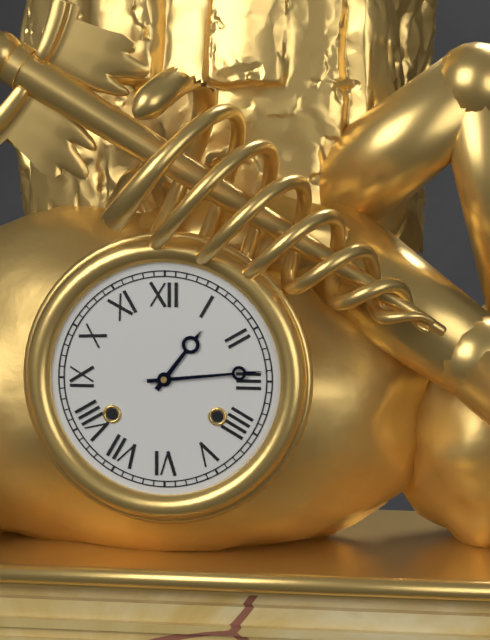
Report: {"hour": 1, "minute": 14}
